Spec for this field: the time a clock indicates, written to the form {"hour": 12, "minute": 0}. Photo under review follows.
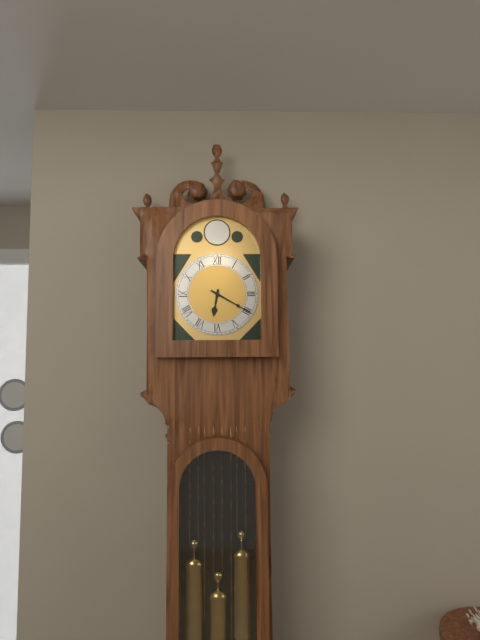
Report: {"hour": 6, "minute": 20}
